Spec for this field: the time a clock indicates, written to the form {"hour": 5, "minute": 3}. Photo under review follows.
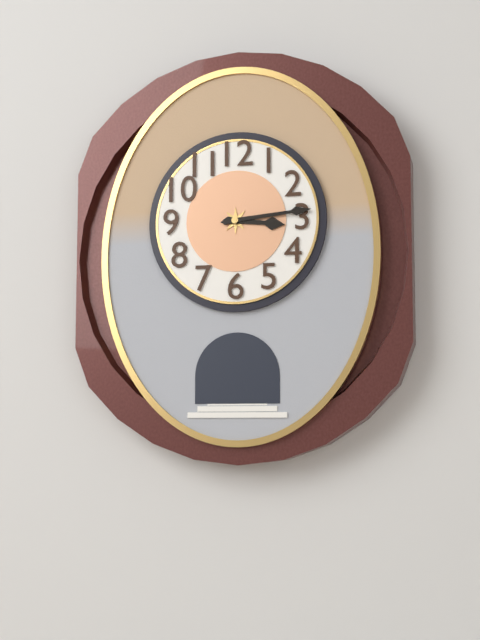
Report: {"hour": 3, "minute": 14}
